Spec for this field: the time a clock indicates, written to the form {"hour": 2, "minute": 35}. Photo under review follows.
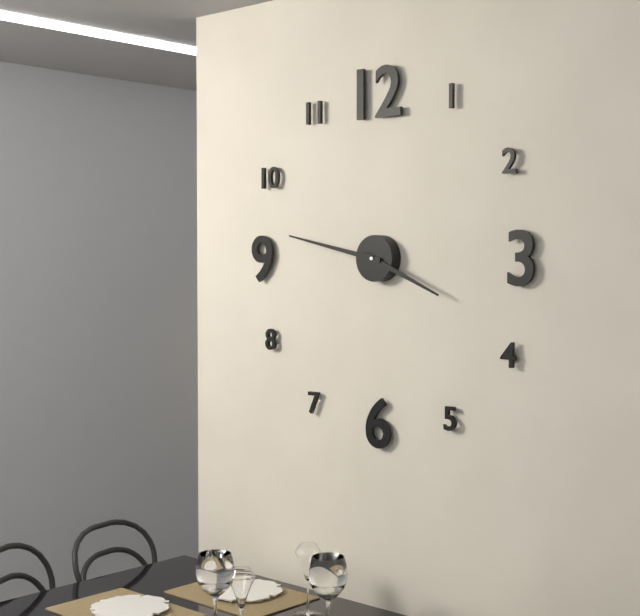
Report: {"hour": 3, "minute": 47}
